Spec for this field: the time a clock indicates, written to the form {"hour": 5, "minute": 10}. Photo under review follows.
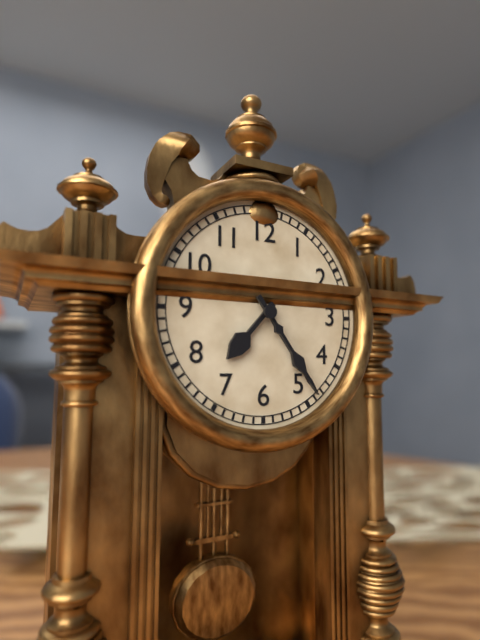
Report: {"hour": 7, "minute": 24}
